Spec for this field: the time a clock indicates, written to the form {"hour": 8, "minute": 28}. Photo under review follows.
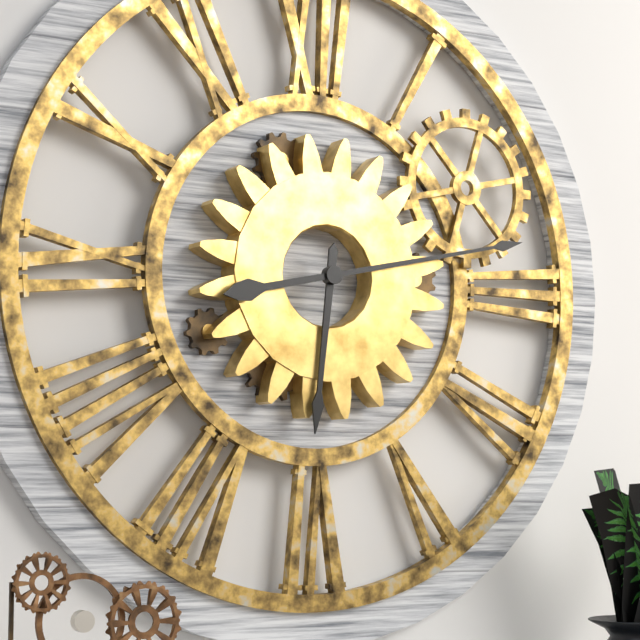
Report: {"hour": 6, "minute": 13}
